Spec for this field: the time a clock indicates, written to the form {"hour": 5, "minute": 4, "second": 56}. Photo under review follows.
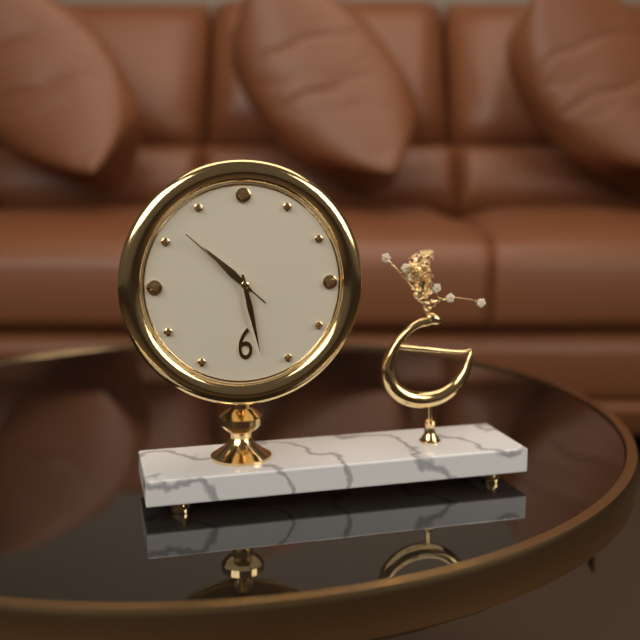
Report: {"hour": 10, "minute": 28, "second": 52}
